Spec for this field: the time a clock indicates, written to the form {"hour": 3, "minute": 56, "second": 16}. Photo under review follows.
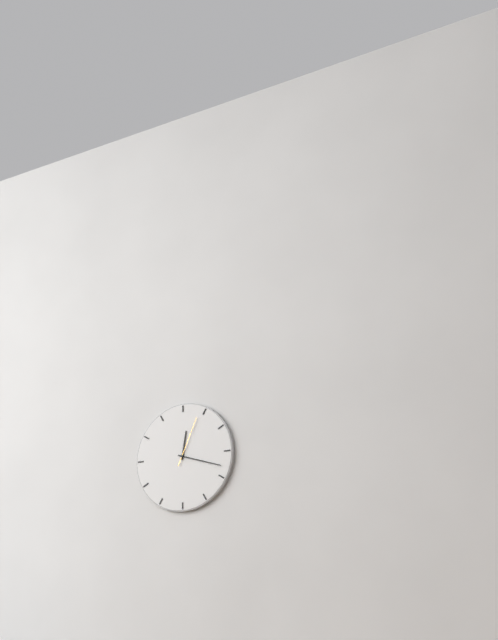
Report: {"hour": 12, "minute": 18, "second": 4}
